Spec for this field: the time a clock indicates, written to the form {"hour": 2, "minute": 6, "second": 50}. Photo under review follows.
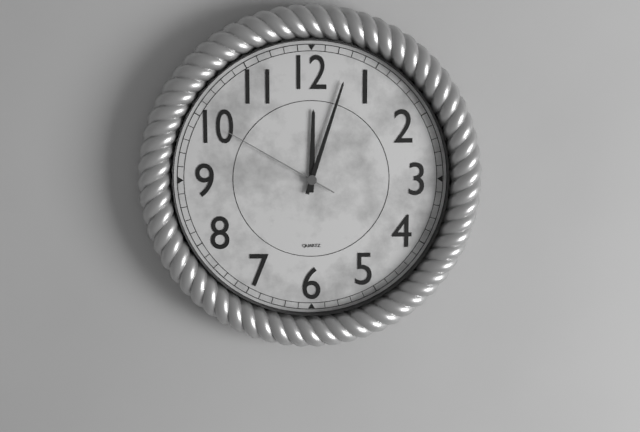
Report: {"hour": 12, "minute": 3, "second": 50}
